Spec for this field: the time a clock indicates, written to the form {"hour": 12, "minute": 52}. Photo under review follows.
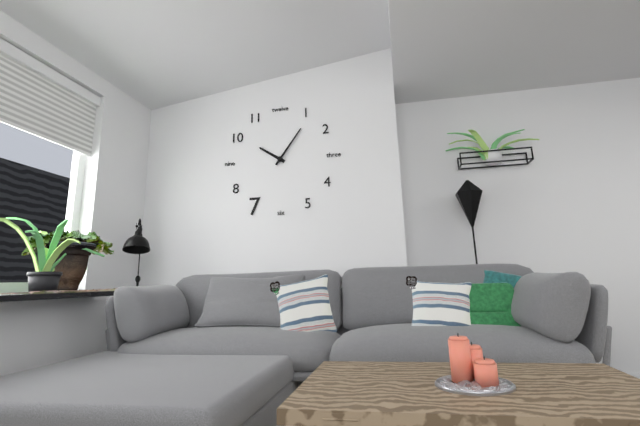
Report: {"hour": 10, "minute": 6}
